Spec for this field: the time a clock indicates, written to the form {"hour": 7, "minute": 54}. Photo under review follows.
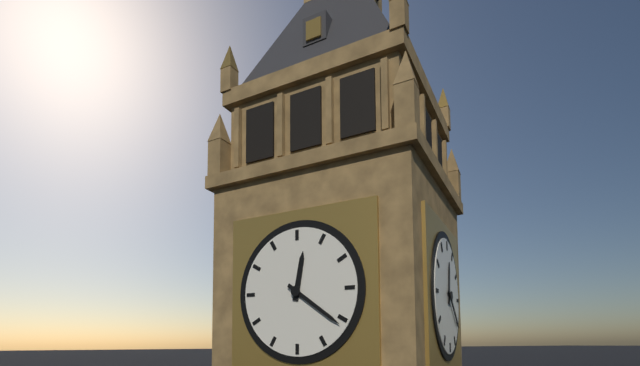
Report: {"hour": 12, "minute": 21}
